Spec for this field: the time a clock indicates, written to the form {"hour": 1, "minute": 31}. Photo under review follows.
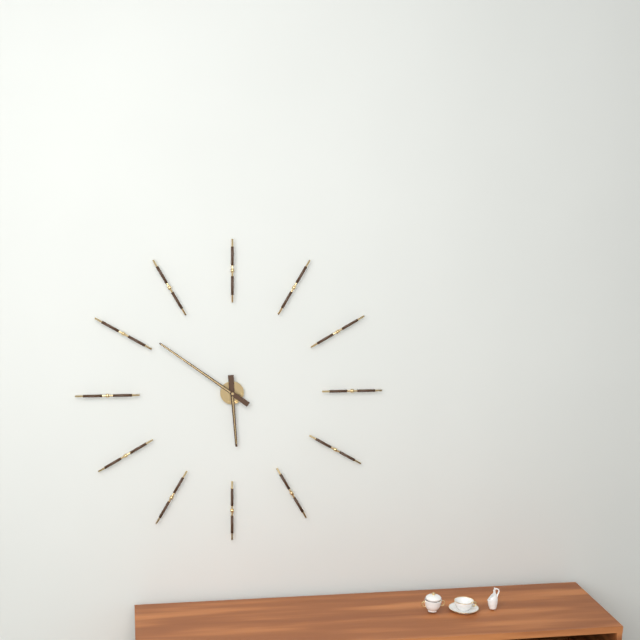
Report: {"hour": 5, "minute": 51}
